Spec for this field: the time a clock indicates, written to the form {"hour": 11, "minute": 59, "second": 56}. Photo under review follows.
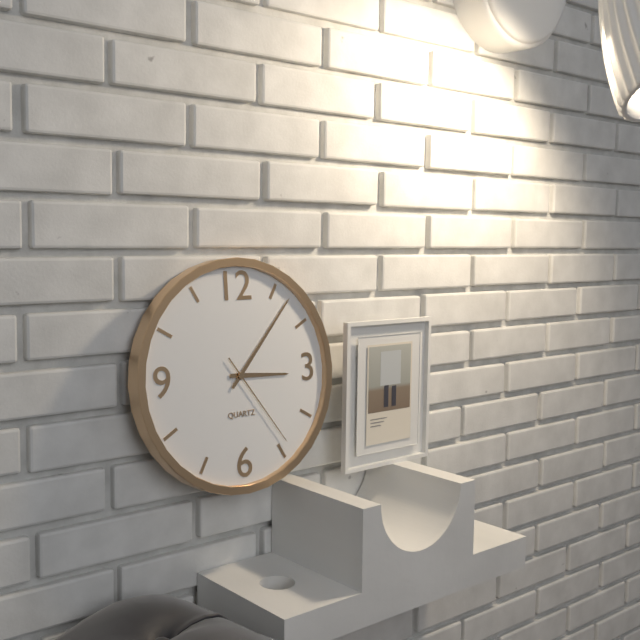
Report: {"hour": 3, "minute": 7, "second": 24}
